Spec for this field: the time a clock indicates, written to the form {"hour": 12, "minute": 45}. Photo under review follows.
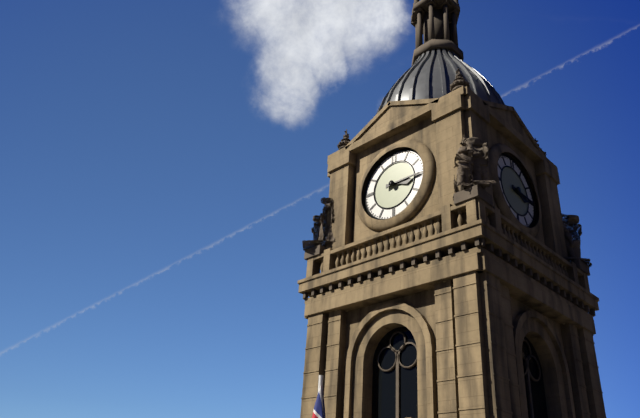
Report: {"hour": 3, "minute": 15}
